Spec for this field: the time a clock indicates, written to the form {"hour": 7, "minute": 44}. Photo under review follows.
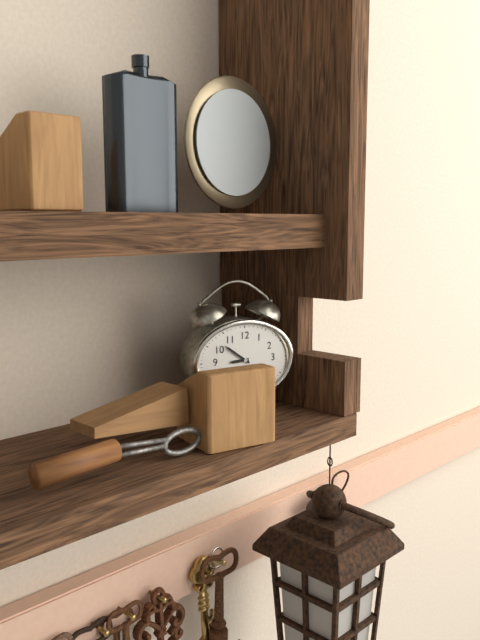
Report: {"hour": 8, "minute": 51}
